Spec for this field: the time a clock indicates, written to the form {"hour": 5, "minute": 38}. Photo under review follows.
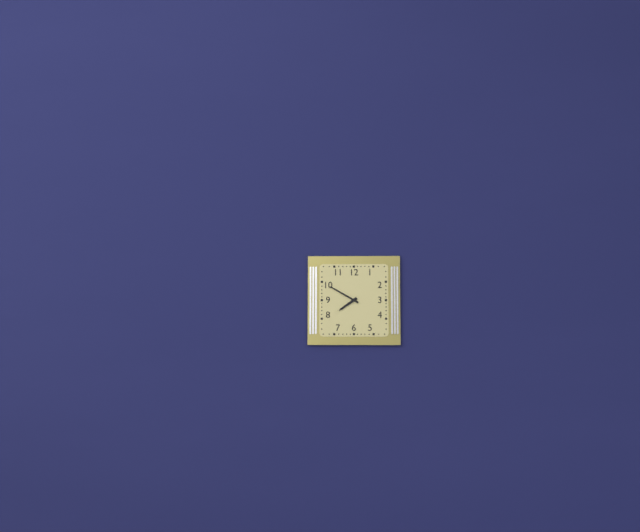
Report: {"hour": 7, "minute": 50}
